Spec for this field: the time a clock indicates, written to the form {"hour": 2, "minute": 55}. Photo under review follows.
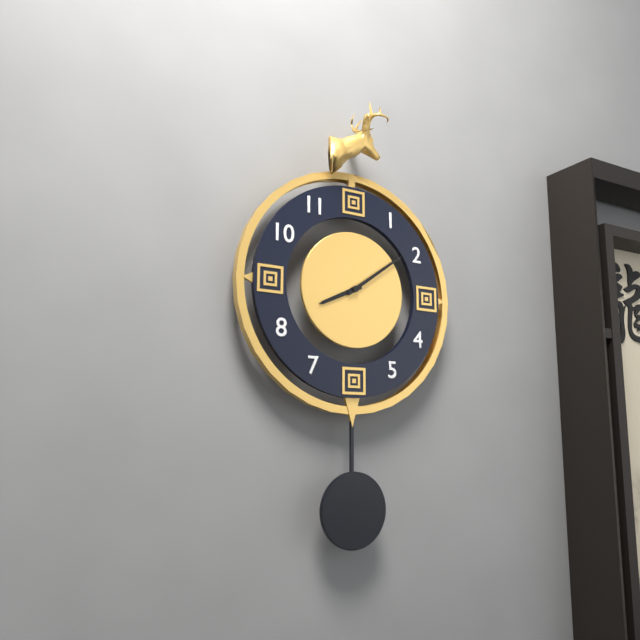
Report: {"hour": 8, "minute": 9}
